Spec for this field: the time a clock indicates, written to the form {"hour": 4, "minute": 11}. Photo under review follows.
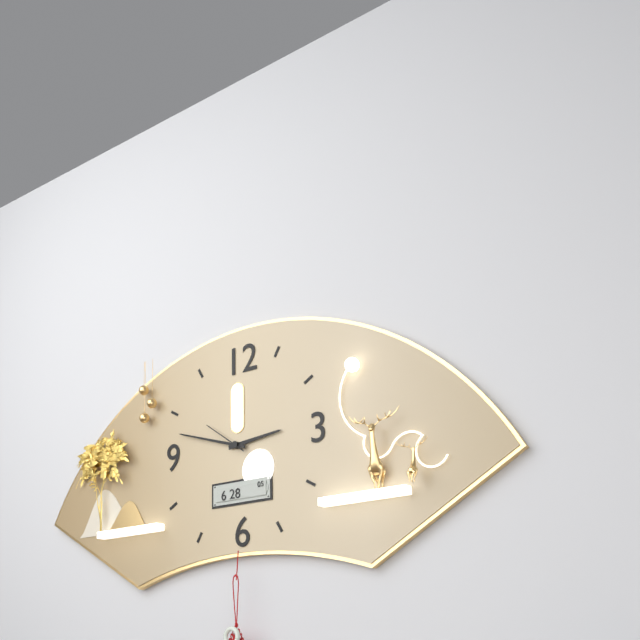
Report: {"hour": 2, "minute": 48}
